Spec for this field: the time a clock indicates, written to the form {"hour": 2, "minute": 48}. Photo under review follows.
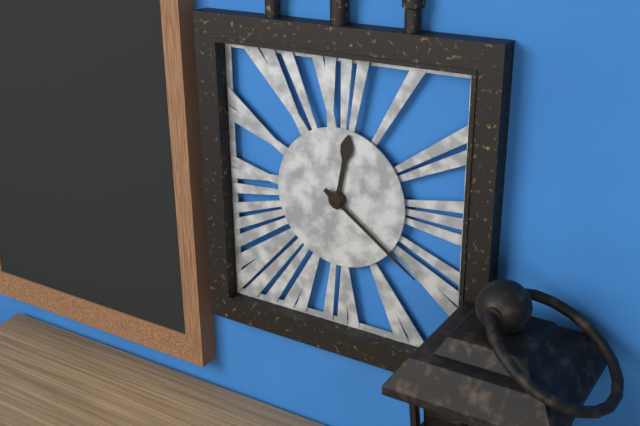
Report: {"hour": 12, "minute": 21}
